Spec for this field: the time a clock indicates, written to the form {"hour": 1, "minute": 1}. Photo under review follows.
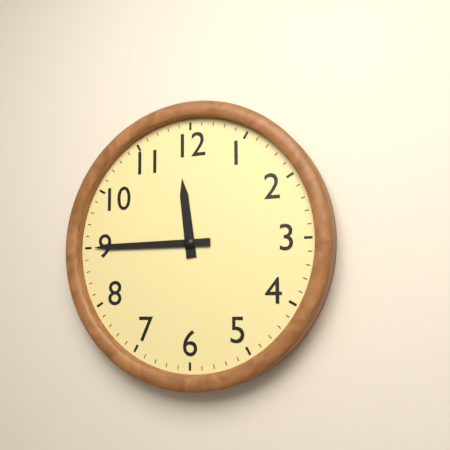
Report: {"hour": 11, "minute": 45}
